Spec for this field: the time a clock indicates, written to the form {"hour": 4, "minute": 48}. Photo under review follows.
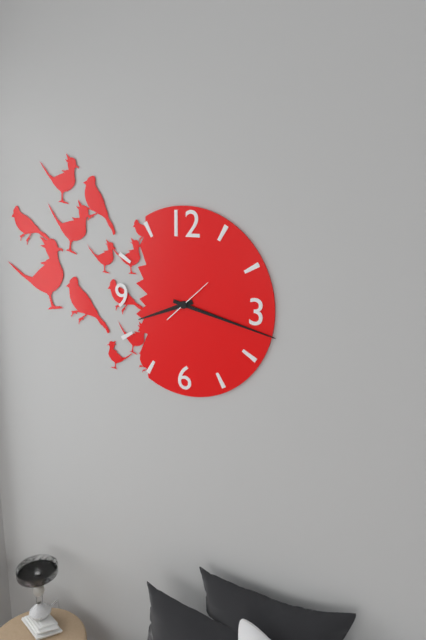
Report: {"hour": 8, "minute": 17}
